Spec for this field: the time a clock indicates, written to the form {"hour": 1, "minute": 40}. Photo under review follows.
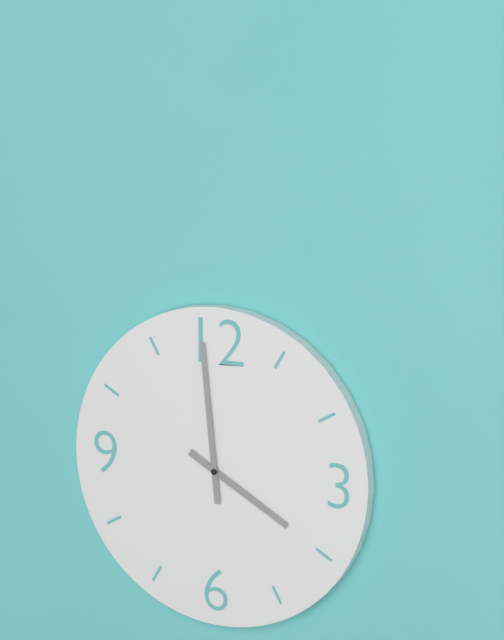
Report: {"hour": 3, "minute": 59}
